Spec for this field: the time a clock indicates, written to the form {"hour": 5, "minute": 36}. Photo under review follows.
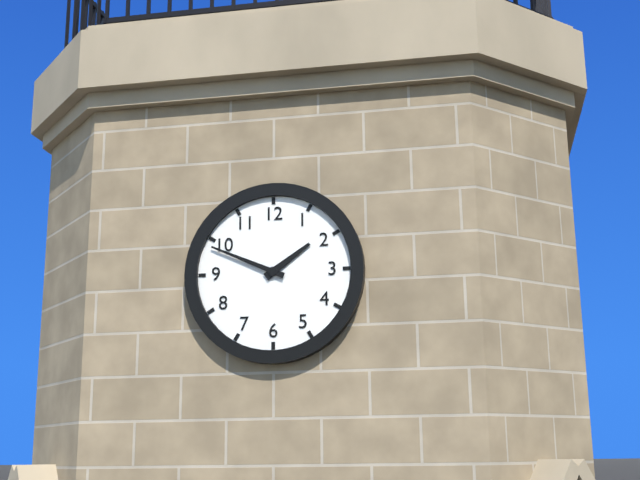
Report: {"hour": 1, "minute": 49}
